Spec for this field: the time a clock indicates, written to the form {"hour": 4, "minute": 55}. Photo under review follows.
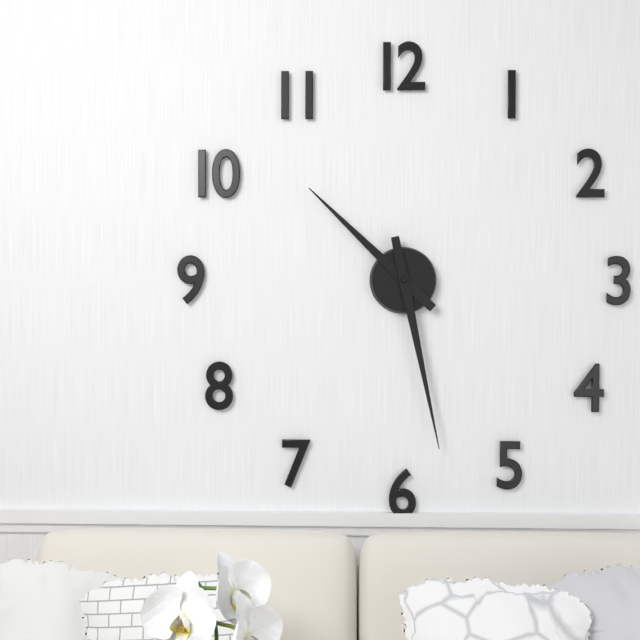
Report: {"hour": 10, "minute": 28}
